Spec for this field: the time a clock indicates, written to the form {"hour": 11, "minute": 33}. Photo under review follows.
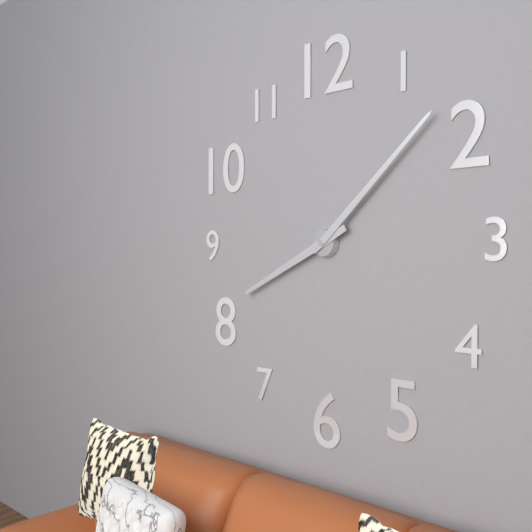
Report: {"hour": 8, "minute": 8}
